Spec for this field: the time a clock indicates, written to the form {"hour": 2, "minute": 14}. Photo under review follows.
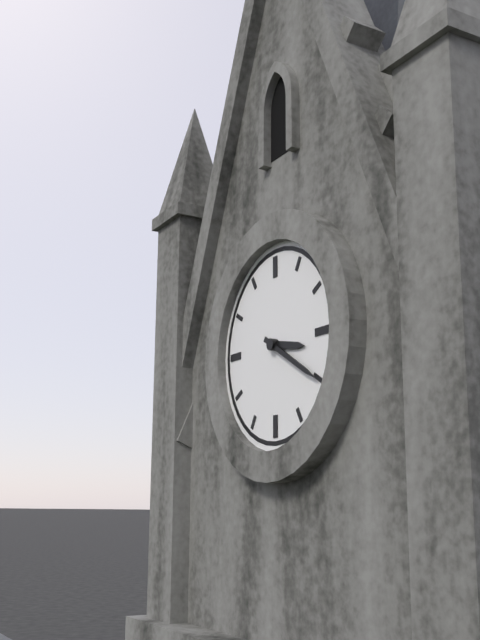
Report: {"hour": 3, "minute": 20}
